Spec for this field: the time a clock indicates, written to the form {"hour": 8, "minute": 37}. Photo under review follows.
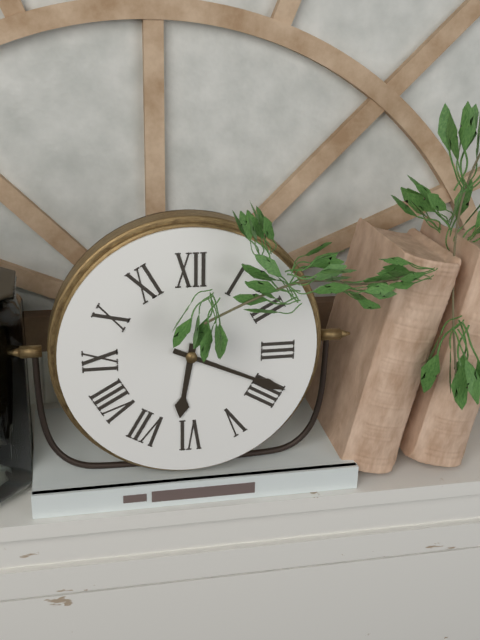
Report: {"hour": 6, "minute": 19}
